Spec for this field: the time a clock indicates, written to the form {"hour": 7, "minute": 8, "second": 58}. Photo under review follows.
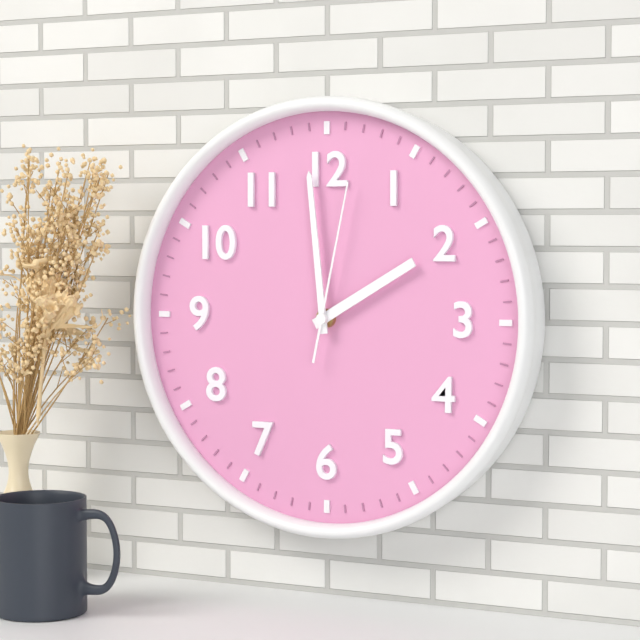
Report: {"hour": 1, "minute": 59, "second": 2}
